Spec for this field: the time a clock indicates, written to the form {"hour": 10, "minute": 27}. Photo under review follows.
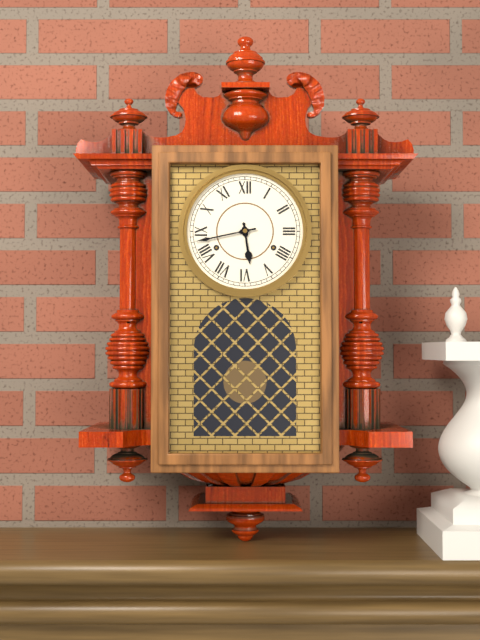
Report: {"hour": 5, "minute": 43}
